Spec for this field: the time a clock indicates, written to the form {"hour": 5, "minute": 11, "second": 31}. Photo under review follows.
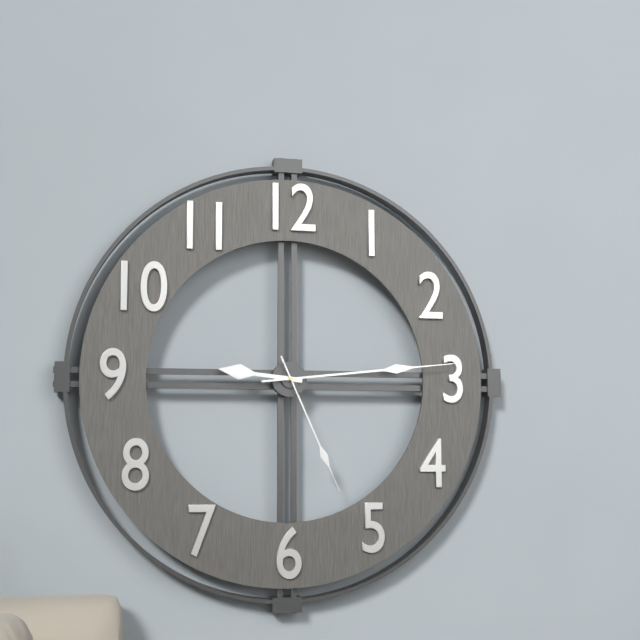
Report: {"hour": 9, "minute": 14, "second": 26}
